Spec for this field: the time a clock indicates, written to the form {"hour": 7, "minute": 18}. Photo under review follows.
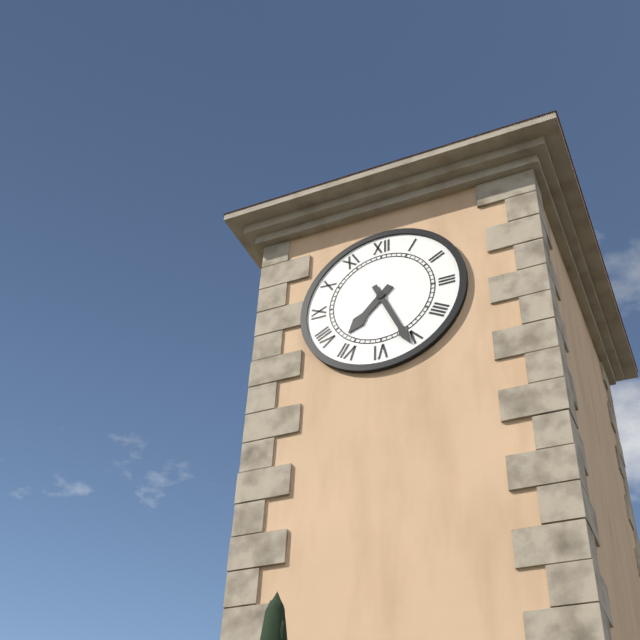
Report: {"hour": 7, "minute": 26}
